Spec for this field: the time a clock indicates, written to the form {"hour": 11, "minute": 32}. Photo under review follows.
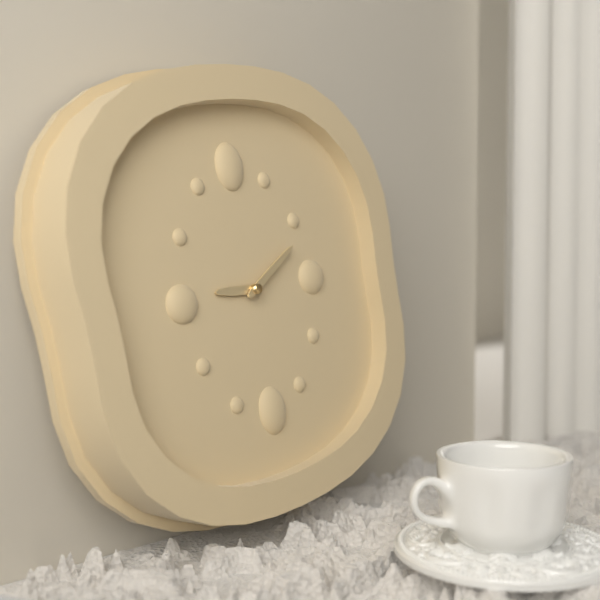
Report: {"hour": 9, "minute": 10}
